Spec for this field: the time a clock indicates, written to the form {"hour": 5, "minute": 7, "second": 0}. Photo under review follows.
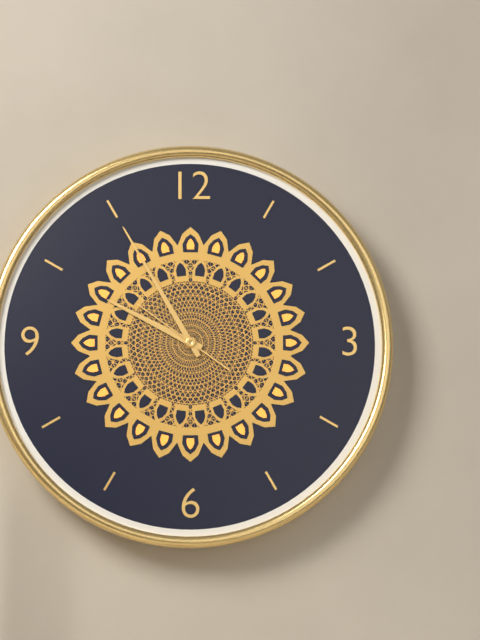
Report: {"hour": 9, "minute": 55, "second": 51}
